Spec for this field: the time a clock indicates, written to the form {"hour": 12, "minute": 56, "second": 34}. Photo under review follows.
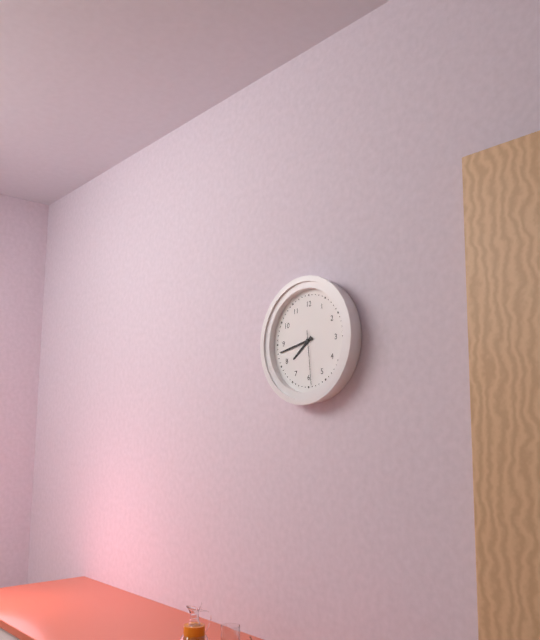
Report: {"hour": 7, "minute": 43, "second": 29}
